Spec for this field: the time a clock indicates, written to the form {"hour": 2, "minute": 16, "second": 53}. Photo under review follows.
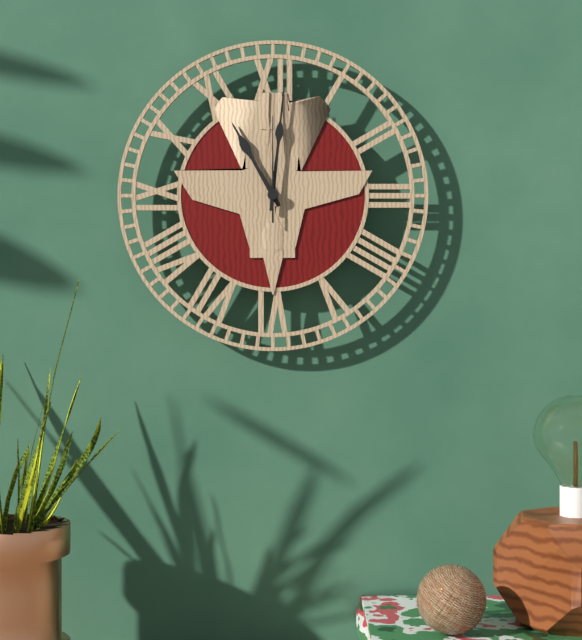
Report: {"hour": 11, "minute": 1, "second": 0}
